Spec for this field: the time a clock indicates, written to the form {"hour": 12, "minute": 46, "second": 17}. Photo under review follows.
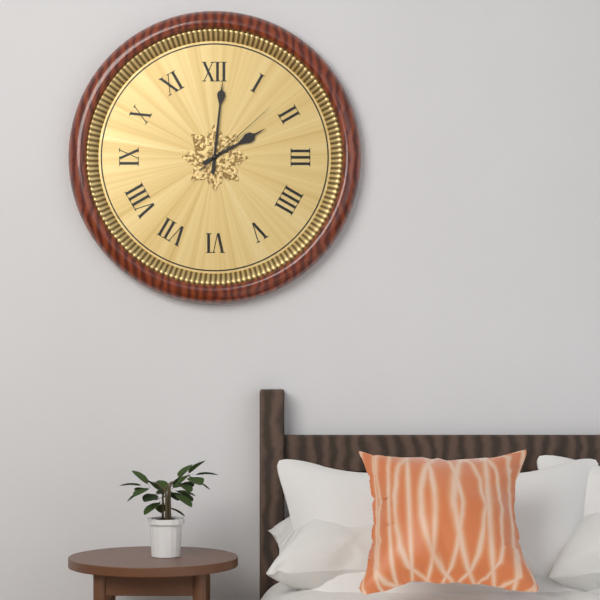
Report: {"hour": 2, "minute": 1, "second": 8}
